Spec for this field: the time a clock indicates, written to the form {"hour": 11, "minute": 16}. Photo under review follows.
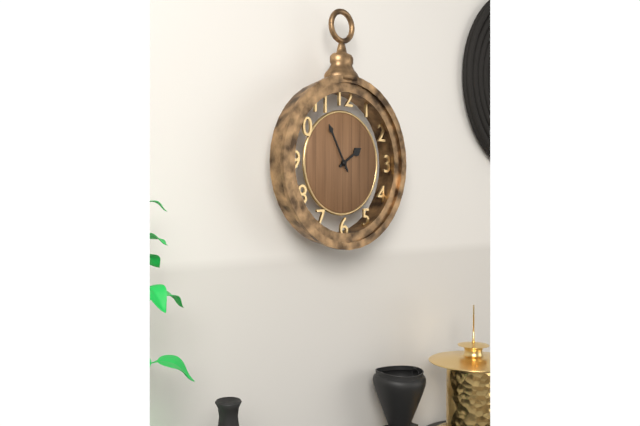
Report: {"hour": 1, "minute": 55}
